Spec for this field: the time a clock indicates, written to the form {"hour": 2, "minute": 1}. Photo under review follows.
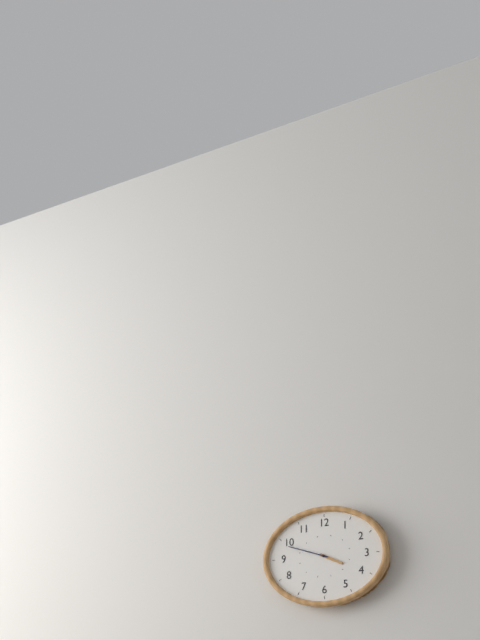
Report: {"hour": 3, "minute": 48}
